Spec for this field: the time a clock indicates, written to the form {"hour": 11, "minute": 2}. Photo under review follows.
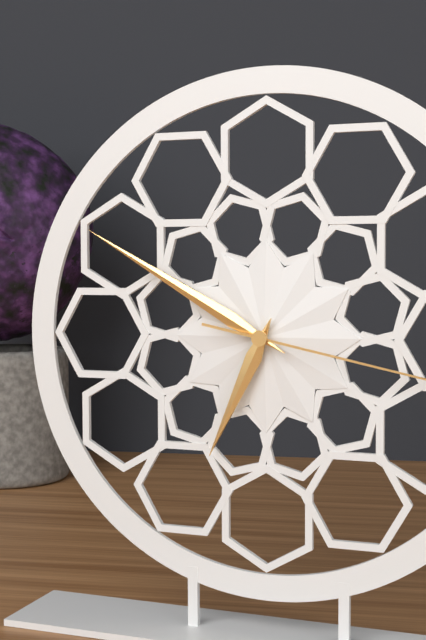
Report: {"hour": 6, "minute": 50}
